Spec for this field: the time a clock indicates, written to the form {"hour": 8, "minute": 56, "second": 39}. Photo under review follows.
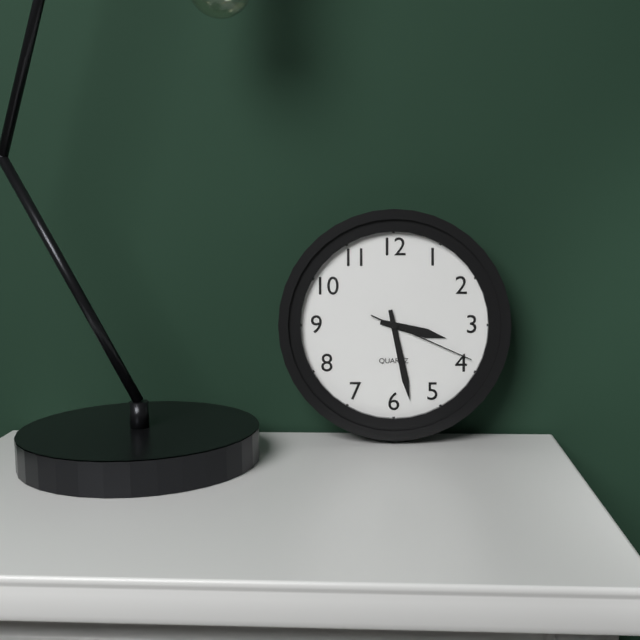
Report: {"hour": 3, "minute": 28, "second": 19}
